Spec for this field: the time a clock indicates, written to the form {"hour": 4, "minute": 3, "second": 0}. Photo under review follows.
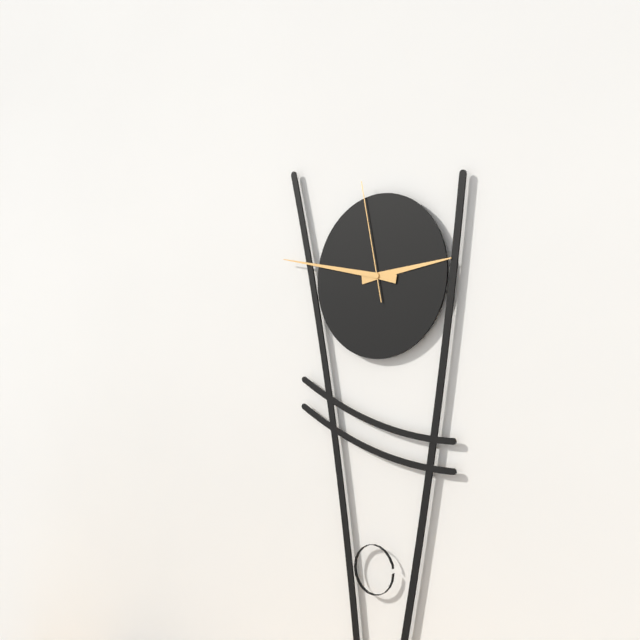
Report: {"hour": 2, "minute": 47, "second": 58}
